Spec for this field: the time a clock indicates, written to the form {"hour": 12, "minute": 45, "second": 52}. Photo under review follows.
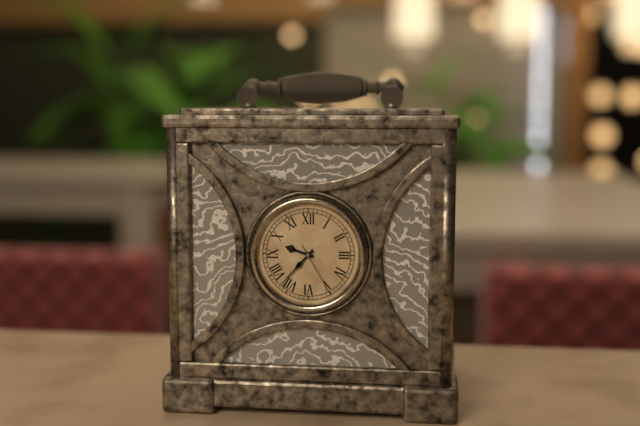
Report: {"hour": 9, "minute": 37, "second": 25}
